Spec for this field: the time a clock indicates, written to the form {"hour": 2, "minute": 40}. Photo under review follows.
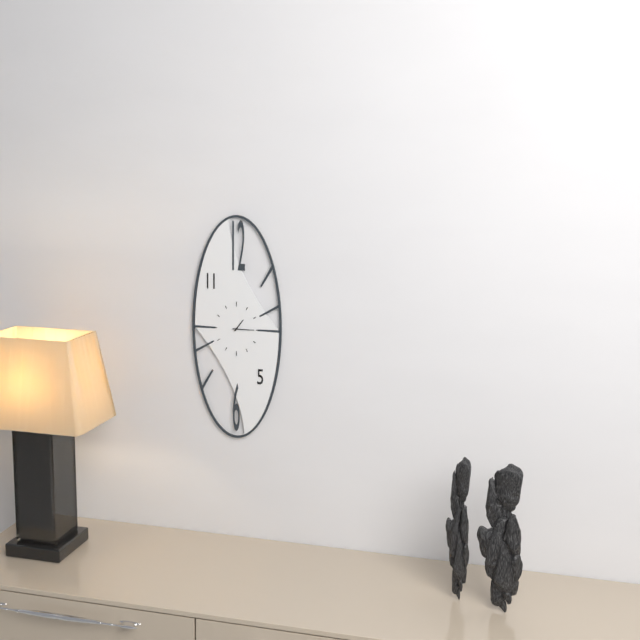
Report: {"hour": 1, "minute": 15}
